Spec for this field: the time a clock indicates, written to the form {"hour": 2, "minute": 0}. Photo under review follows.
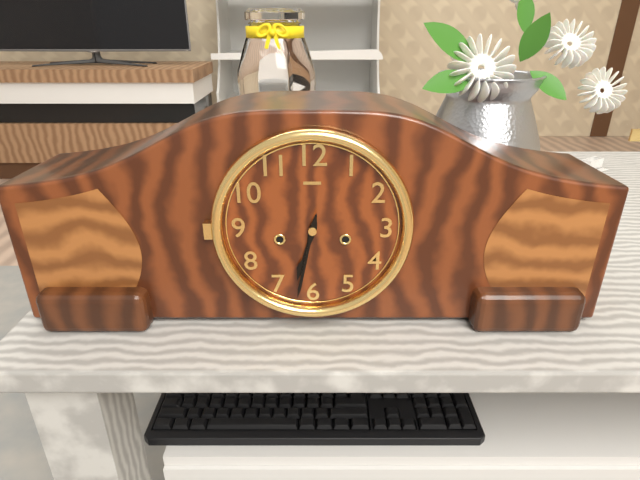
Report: {"hour": 6, "minute": 32}
